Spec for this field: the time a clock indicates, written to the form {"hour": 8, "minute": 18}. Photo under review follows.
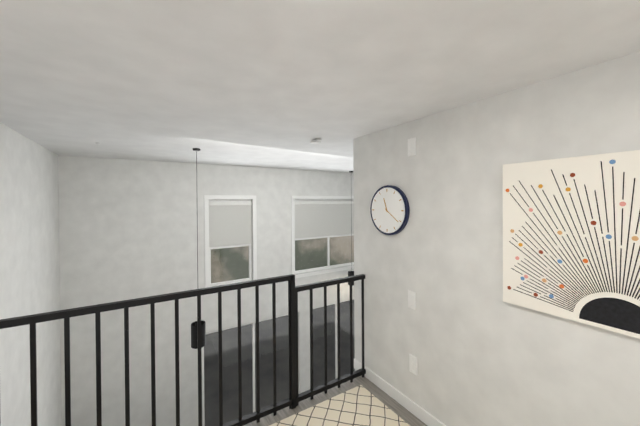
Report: {"hour": 11, "minute": 21}
